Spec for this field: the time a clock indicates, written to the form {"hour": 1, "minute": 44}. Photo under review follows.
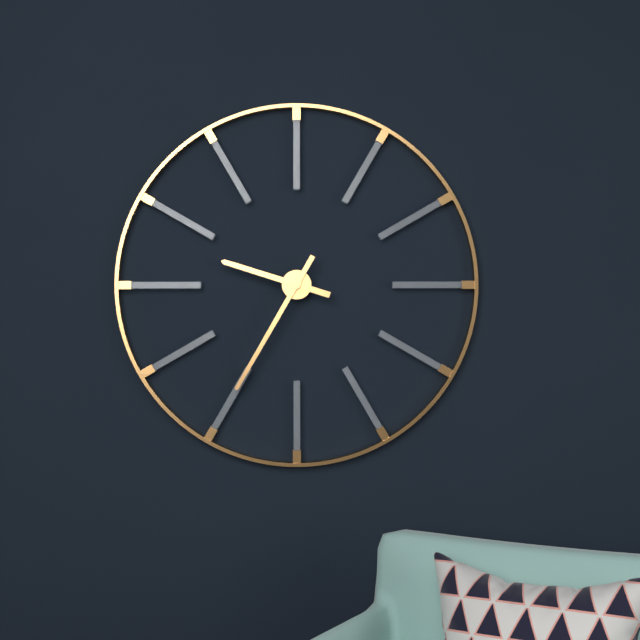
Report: {"hour": 9, "minute": 35}
